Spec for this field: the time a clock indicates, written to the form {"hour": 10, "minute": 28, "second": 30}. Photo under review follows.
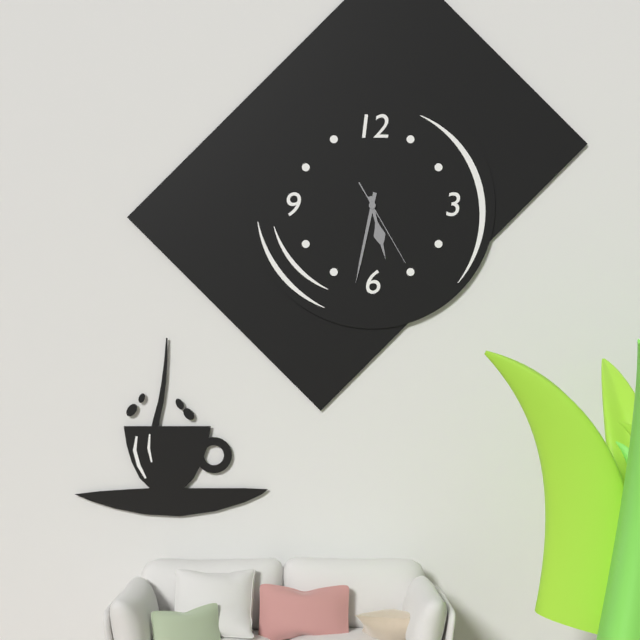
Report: {"hour": 5, "minute": 32, "second": 25}
